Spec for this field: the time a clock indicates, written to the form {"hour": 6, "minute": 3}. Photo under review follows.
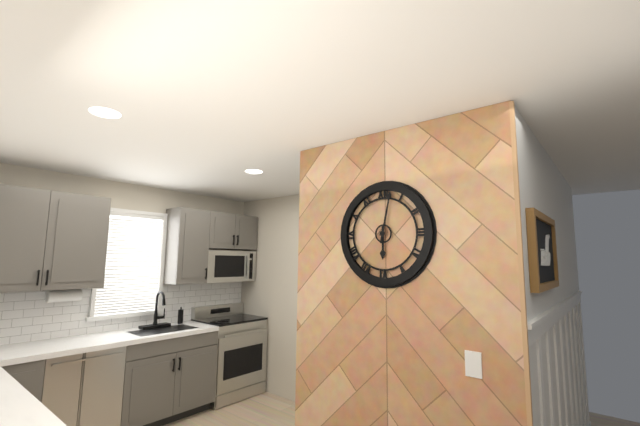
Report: {"hour": 6, "minute": 2}
